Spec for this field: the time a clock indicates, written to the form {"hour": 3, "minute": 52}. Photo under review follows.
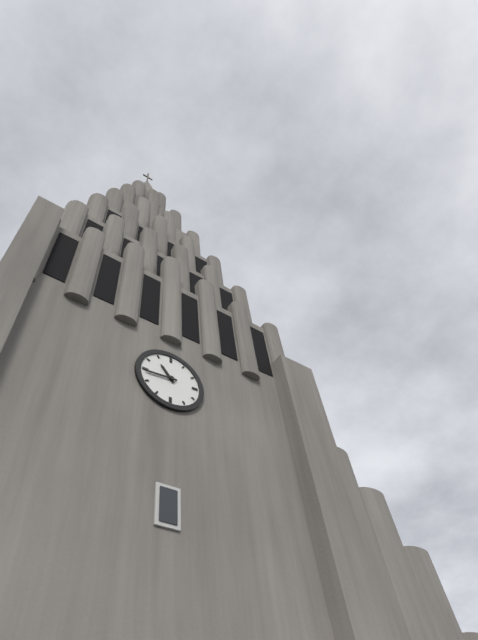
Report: {"hour": 10, "minute": 44}
